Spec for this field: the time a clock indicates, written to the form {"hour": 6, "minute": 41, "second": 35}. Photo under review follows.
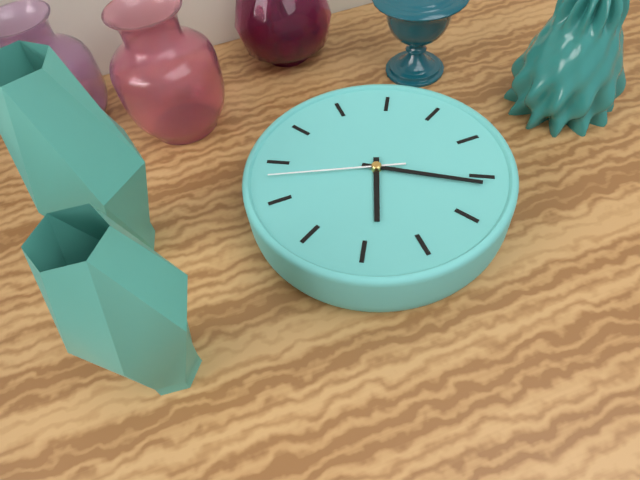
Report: {"hour": 11, "minute": 46, "second": 13}
